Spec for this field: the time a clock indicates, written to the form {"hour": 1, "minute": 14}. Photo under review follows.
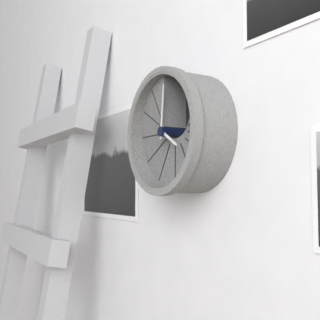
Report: {"hour": 4, "minute": 1}
